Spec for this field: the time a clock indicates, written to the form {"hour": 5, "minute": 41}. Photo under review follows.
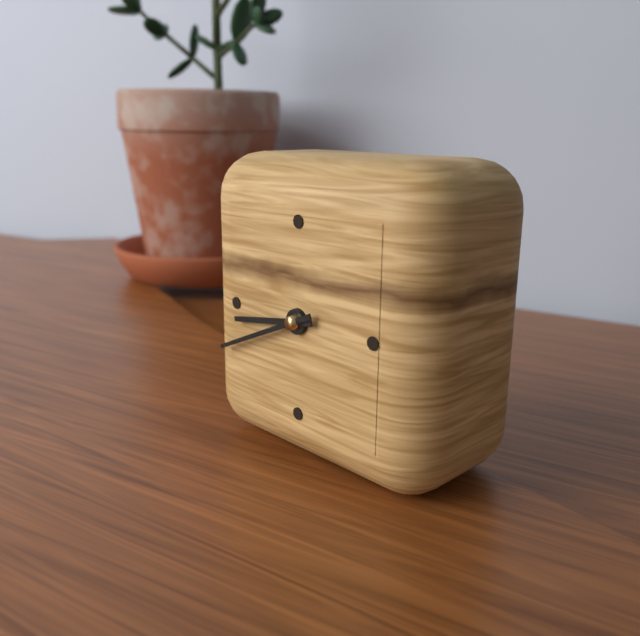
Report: {"hour": 8, "minute": 41}
